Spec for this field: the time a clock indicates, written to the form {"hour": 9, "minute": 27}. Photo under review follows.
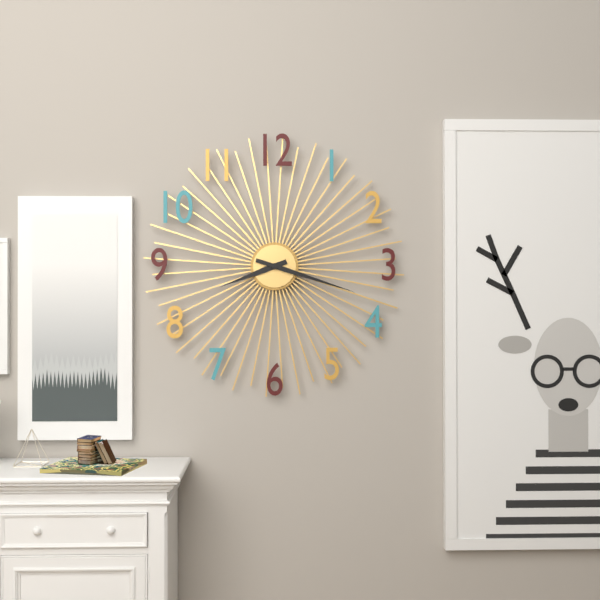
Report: {"hour": 8, "minute": 18}
